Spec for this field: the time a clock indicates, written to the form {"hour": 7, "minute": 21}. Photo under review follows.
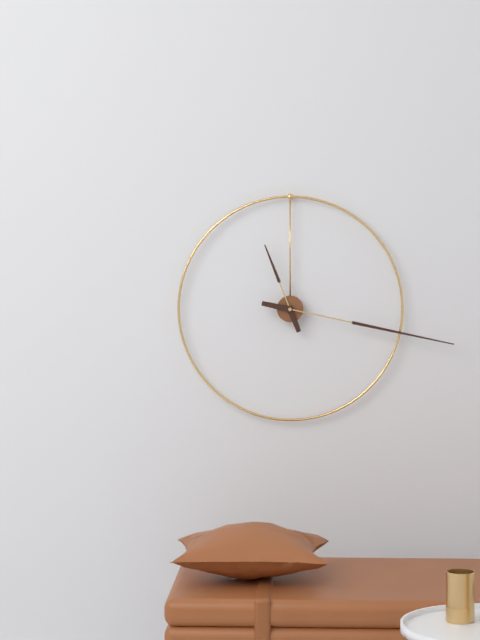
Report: {"hour": 11, "minute": 17}
